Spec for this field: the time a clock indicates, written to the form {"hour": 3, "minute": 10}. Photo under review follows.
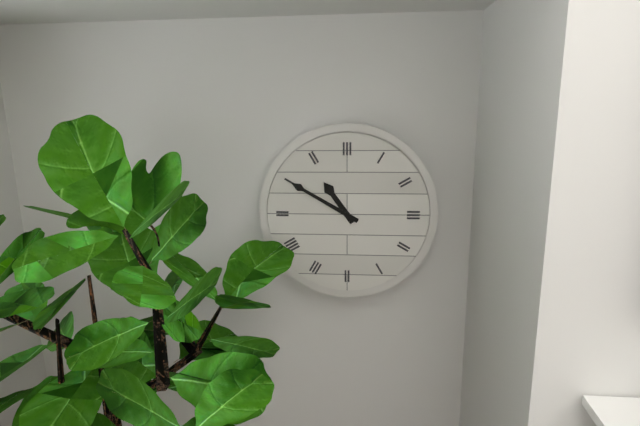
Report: {"hour": 10, "minute": 50}
